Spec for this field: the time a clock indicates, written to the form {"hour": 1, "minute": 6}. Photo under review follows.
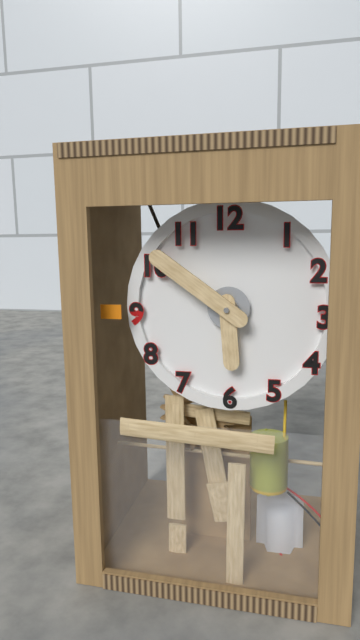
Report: {"hour": 5, "minute": 51}
